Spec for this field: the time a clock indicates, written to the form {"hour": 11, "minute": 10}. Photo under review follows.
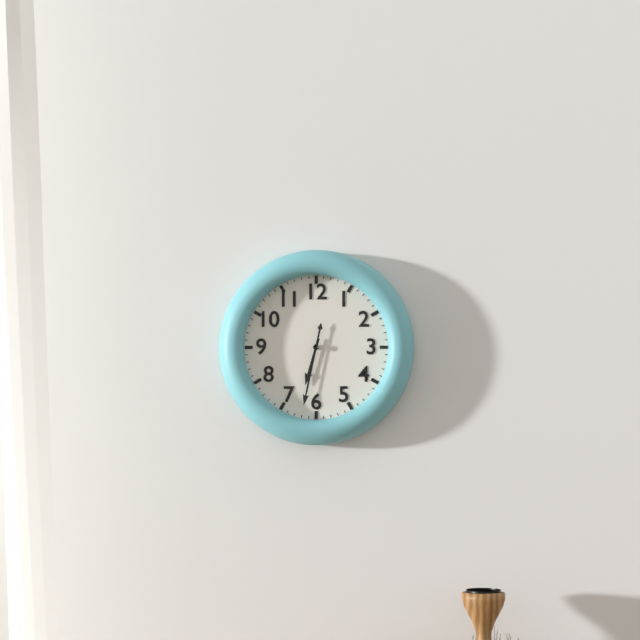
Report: {"hour": 6, "minute": 32}
